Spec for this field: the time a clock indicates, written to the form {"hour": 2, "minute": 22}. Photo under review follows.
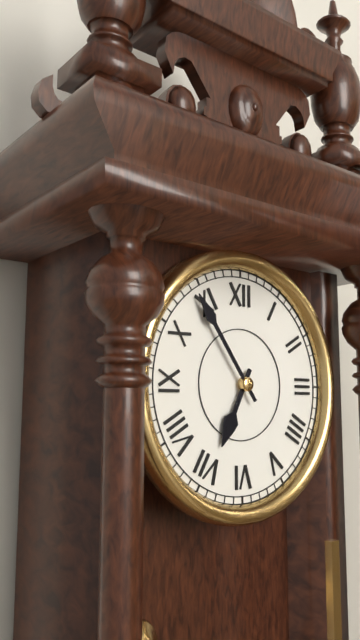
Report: {"hour": 6, "minute": 54}
